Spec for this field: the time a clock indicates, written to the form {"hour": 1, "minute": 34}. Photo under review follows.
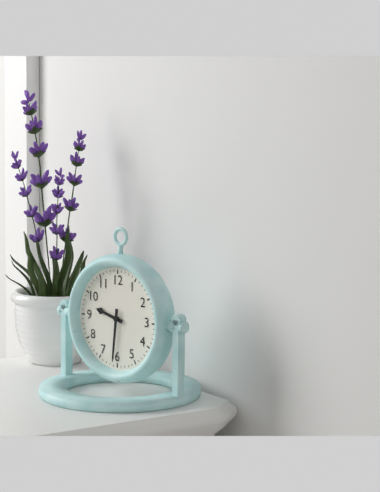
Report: {"hour": 9, "minute": 31}
